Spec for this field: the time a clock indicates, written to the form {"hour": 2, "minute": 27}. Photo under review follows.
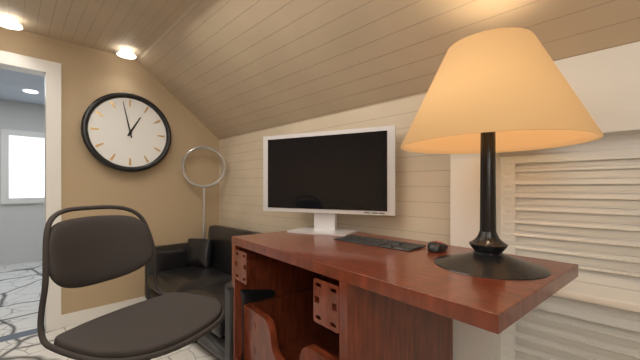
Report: {"hour": 12, "minute": 58}
